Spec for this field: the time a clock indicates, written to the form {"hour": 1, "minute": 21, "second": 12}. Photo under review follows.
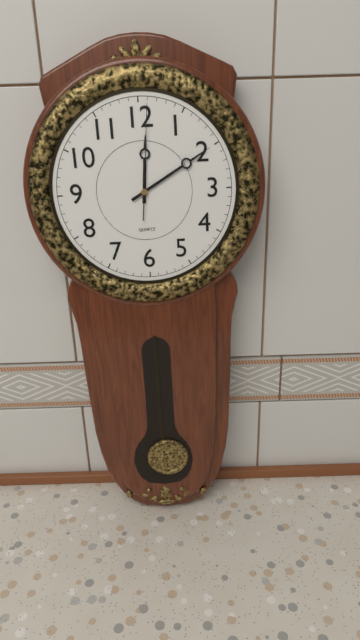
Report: {"hour": 12, "minute": 10, "second": 1}
